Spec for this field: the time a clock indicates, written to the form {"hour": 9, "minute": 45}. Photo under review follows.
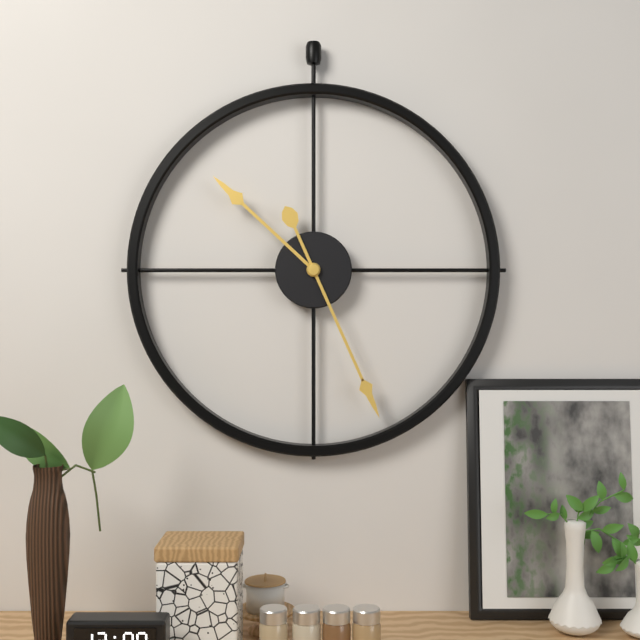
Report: {"hour": 10, "minute": 26}
